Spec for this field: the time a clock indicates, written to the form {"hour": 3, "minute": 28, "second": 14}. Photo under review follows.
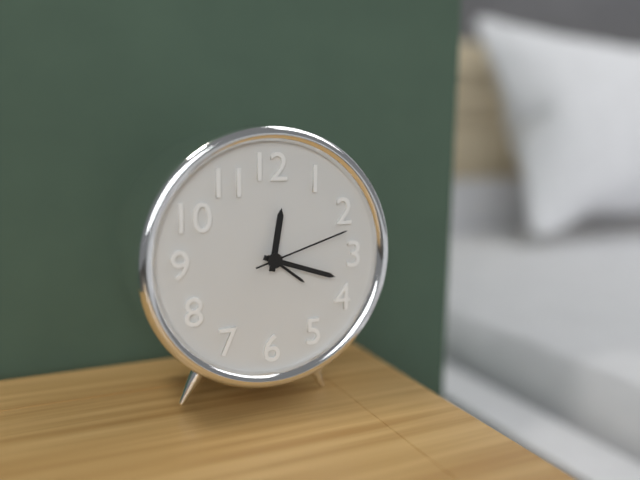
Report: {"hour": 12, "minute": 18, "second": 12}
